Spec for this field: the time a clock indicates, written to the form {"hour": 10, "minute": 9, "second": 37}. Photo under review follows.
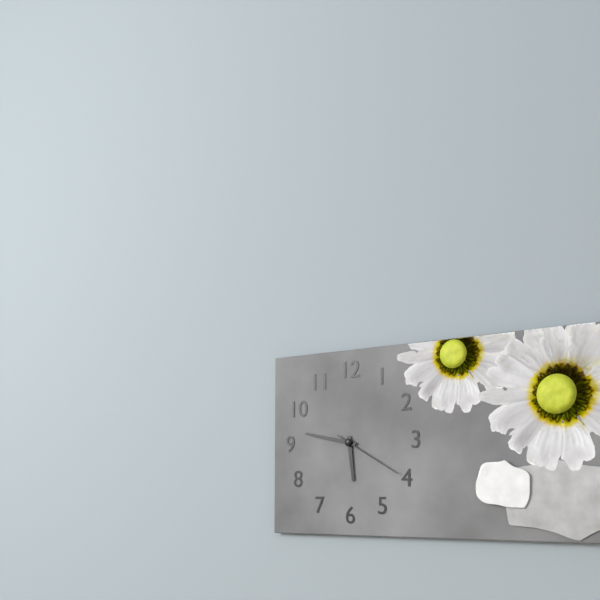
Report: {"hour": 5, "minute": 47, "second": 20}
